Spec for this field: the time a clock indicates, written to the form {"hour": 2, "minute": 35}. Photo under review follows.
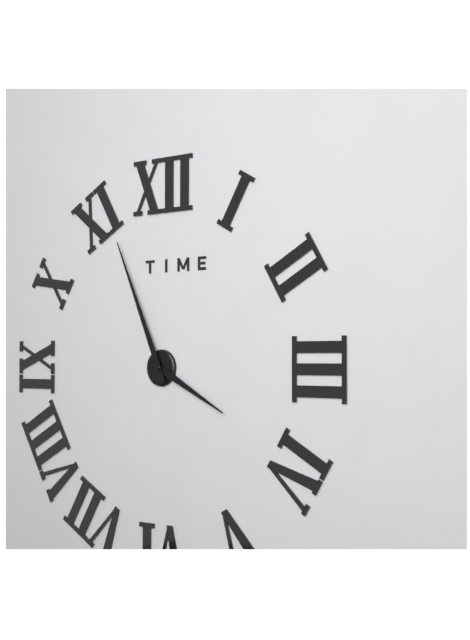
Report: {"hour": 3, "minute": 56}
